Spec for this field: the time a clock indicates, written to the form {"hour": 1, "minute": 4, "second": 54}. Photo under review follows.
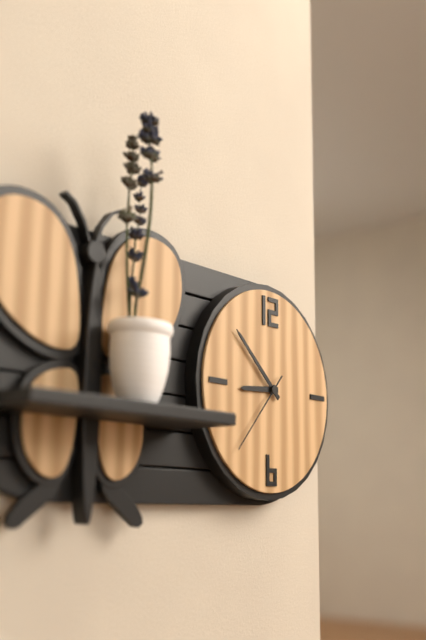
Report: {"hour": 8, "minute": 52, "second": 37}
